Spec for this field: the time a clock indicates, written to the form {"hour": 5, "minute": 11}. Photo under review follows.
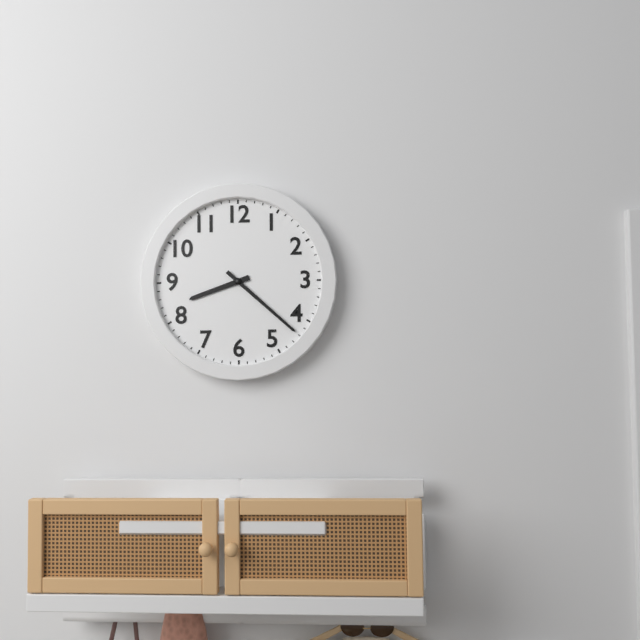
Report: {"hour": 8, "minute": 22}
